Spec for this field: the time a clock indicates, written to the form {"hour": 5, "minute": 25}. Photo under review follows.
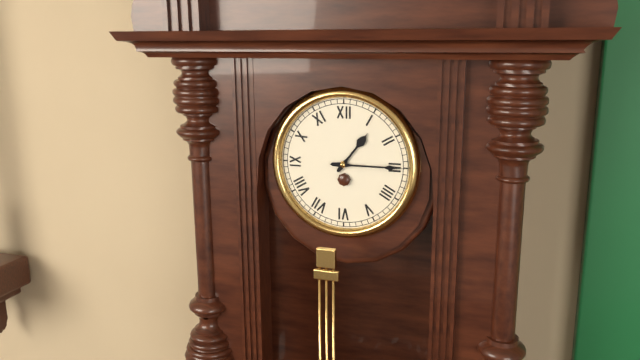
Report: {"hour": 1, "minute": 15}
